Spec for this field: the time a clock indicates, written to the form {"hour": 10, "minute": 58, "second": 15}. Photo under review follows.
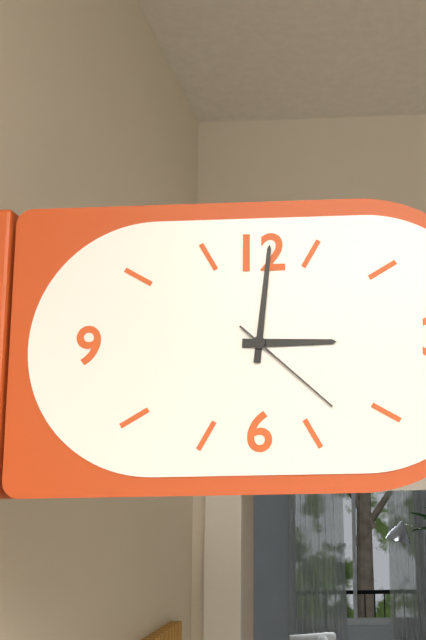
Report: {"hour": 3, "minute": 1, "second": 22}
